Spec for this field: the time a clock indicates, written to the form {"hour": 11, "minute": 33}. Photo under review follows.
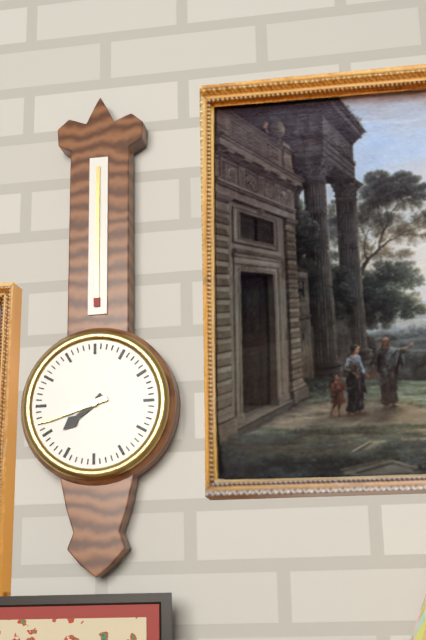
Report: {"hour": 7, "minute": 42}
